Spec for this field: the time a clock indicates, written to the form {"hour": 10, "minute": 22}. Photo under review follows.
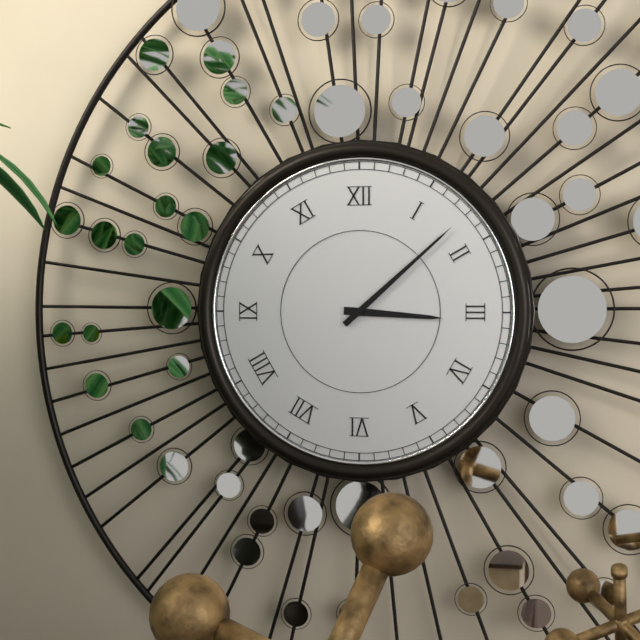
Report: {"hour": 3, "minute": 8}
